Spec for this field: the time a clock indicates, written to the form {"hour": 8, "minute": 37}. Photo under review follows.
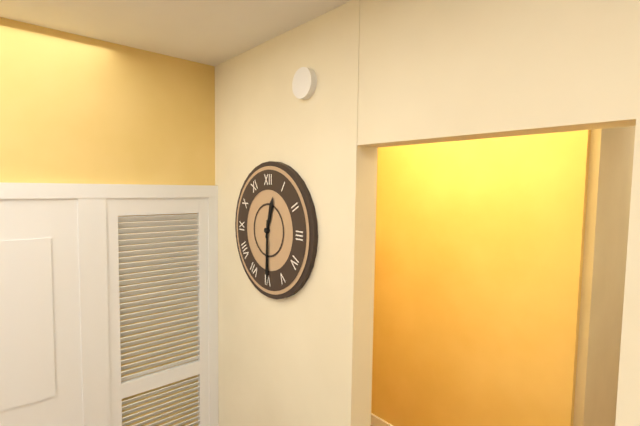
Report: {"hour": 12, "minute": 30}
